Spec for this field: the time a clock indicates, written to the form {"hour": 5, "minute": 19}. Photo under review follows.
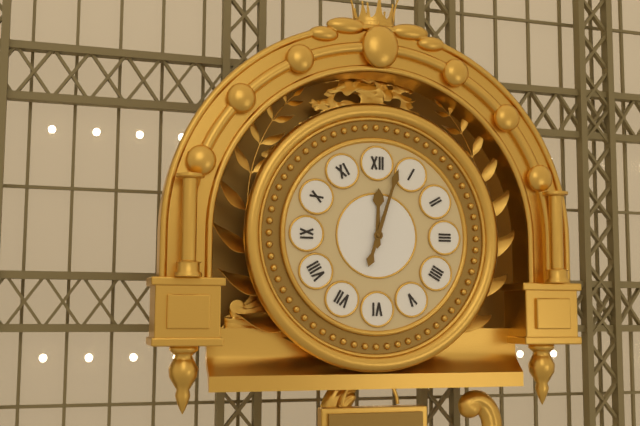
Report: {"hour": 12, "minute": 3}
